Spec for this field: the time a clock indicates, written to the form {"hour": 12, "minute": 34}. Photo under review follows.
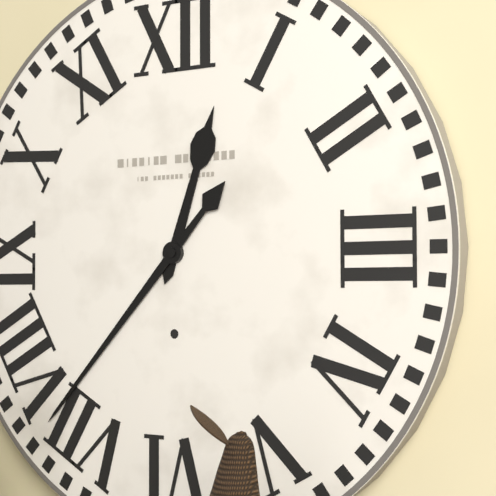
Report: {"hour": 12, "minute": 37}
